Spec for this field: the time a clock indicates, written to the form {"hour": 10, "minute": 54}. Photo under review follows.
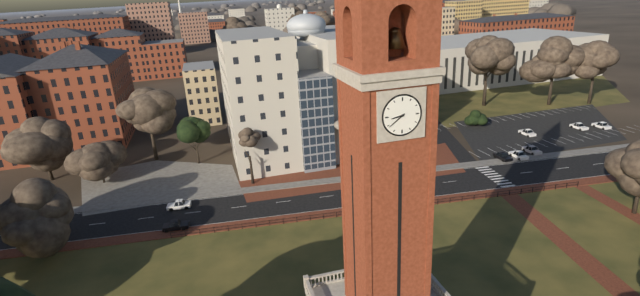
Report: {"hour": 8, "minute": 39}
